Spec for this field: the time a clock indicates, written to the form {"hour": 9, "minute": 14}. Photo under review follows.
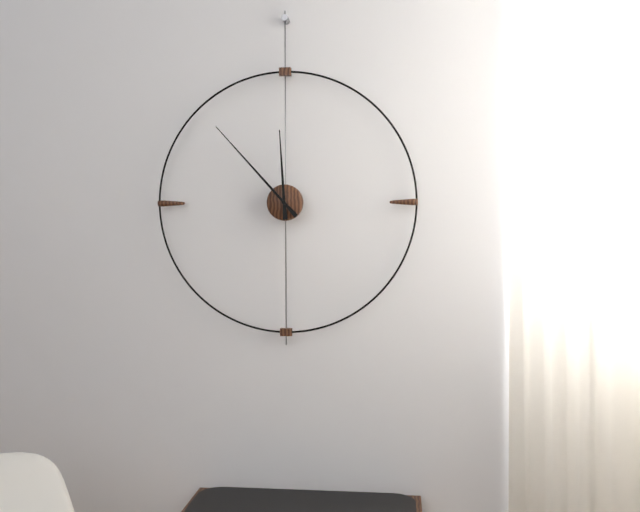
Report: {"hour": 11, "minute": 53}
